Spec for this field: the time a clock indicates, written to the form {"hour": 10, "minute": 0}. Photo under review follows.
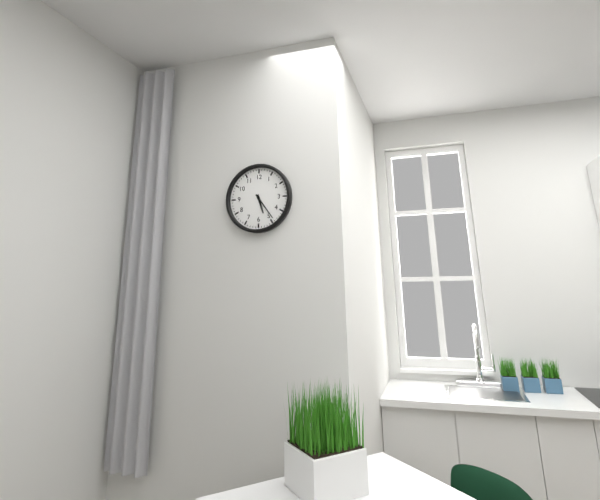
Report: {"hour": 5, "minute": 24}
